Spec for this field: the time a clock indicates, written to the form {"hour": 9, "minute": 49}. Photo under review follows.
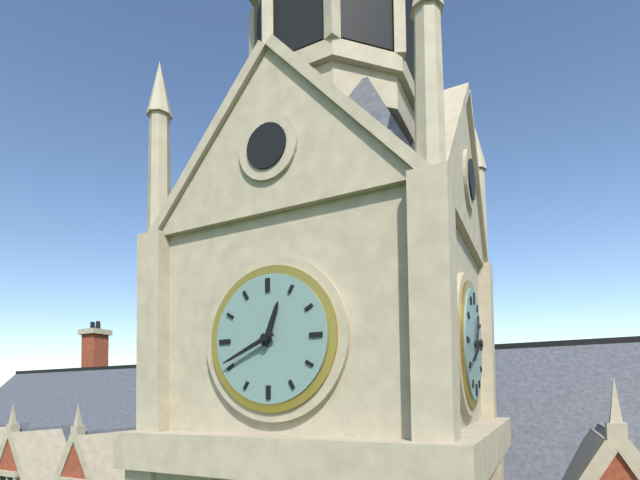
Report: {"hour": 12, "minute": 41}
